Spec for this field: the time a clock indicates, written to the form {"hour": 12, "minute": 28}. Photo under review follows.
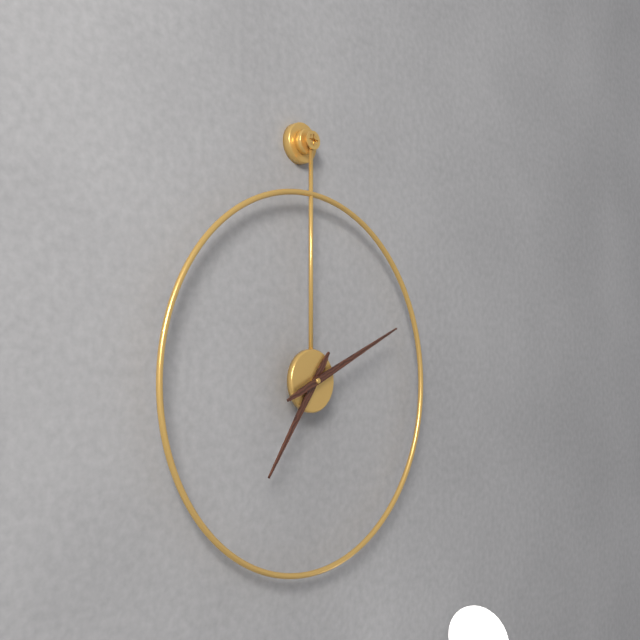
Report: {"hour": 7, "minute": 11}
